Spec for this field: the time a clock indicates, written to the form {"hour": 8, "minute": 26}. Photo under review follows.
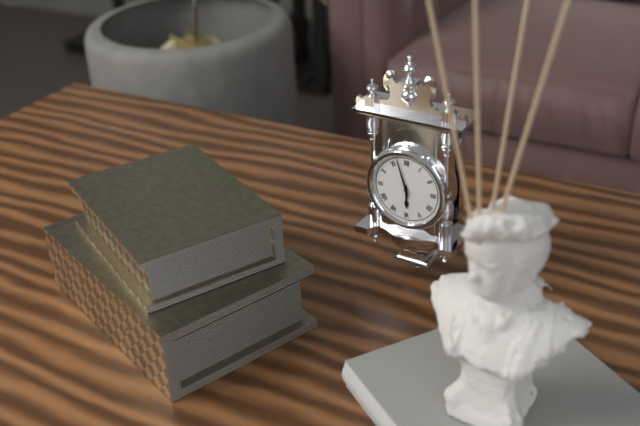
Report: {"hour": 5, "minute": 57}
